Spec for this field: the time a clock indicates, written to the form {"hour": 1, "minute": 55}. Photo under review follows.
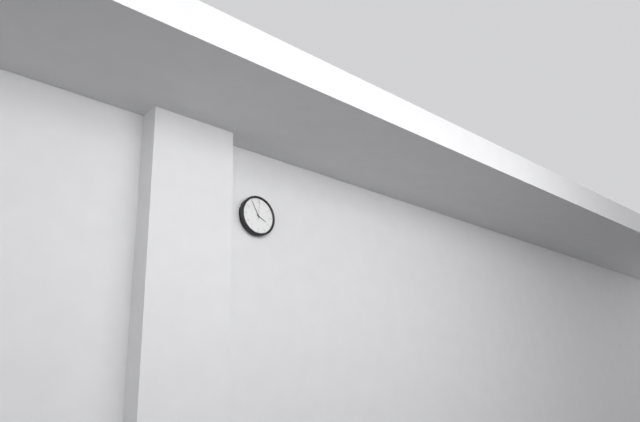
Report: {"hour": 3, "minute": 55}
